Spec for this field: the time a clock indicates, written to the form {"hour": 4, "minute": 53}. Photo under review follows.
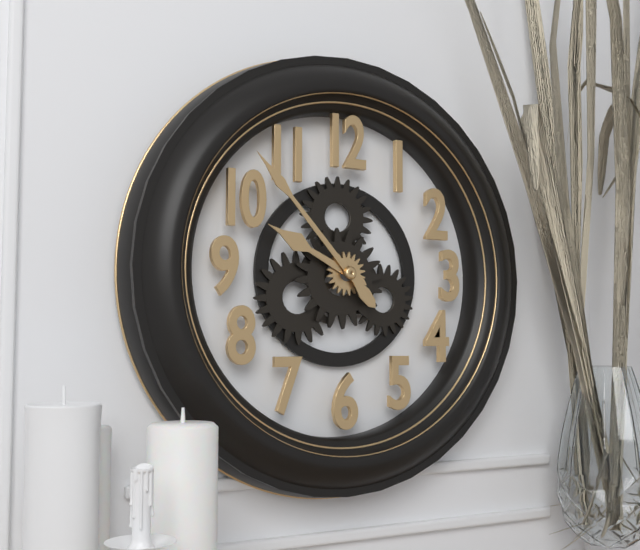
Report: {"hour": 9, "minute": 53}
